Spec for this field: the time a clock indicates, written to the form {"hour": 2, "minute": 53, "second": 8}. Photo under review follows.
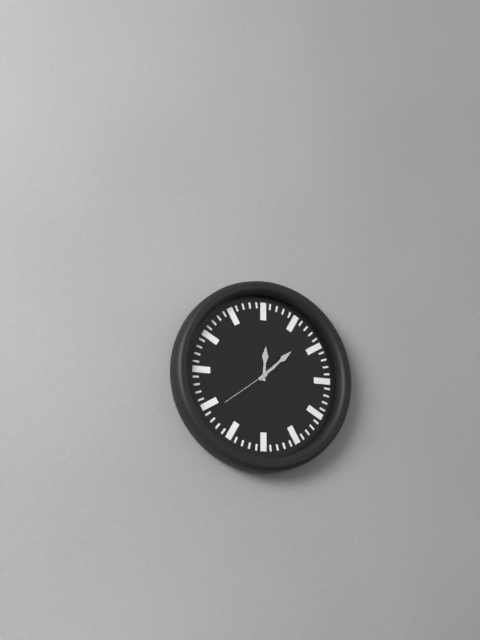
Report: {"hour": 12, "minute": 8, "second": 39}
